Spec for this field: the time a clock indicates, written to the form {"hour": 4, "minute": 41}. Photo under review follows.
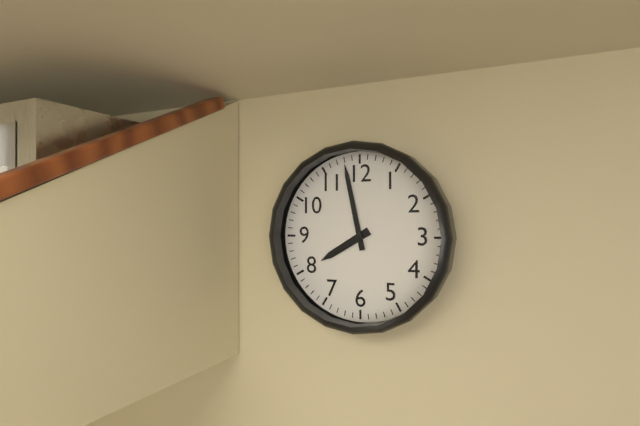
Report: {"hour": 7, "minute": 58}
